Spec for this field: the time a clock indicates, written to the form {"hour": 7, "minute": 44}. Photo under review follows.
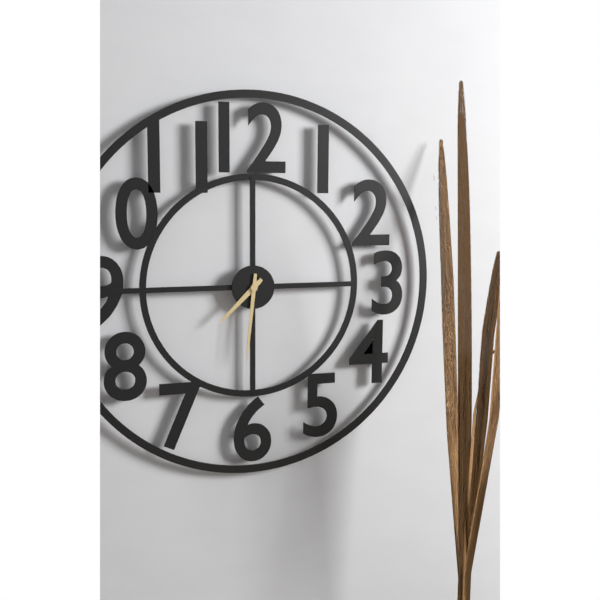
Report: {"hour": 7, "minute": 31}
